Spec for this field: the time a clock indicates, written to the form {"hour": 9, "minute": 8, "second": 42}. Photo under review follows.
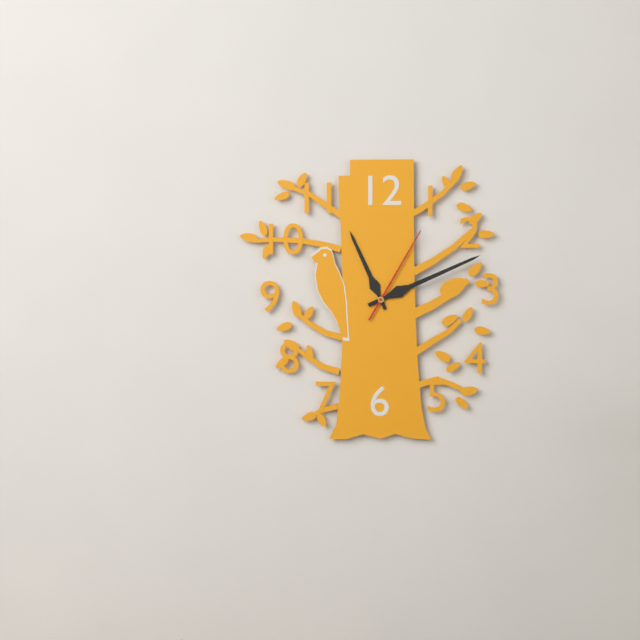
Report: {"hour": 11, "minute": 11, "second": 5}
